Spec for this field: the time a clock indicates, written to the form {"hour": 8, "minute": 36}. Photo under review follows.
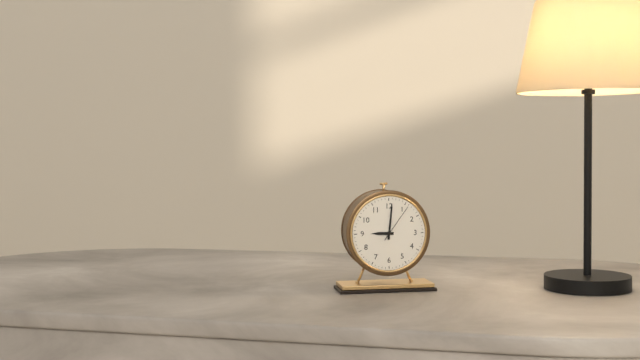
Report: {"hour": 9, "minute": 1}
